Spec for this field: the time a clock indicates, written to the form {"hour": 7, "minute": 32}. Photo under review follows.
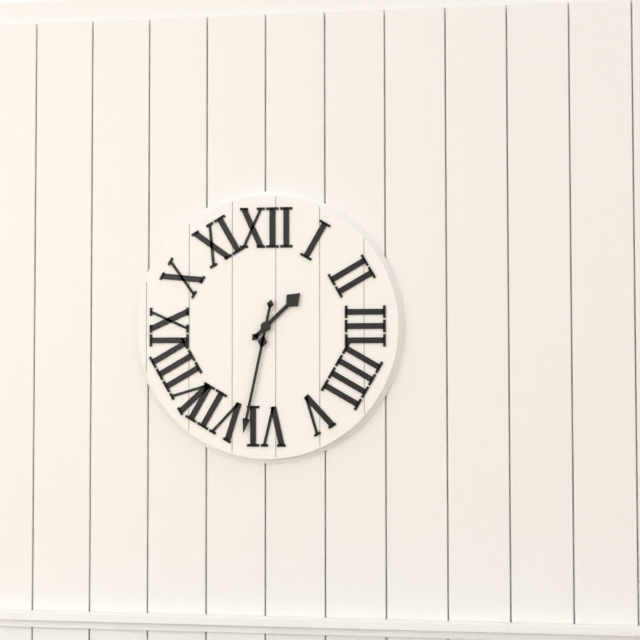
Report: {"hour": 1, "minute": 32}
